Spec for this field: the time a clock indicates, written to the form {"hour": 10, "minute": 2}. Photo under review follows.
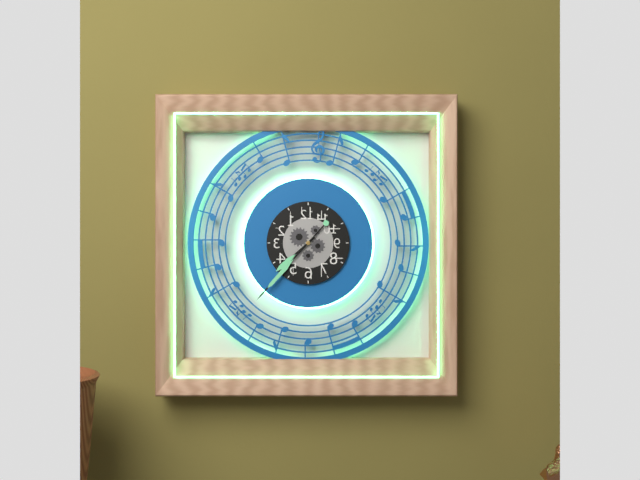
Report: {"hour": 7, "minute": 37}
